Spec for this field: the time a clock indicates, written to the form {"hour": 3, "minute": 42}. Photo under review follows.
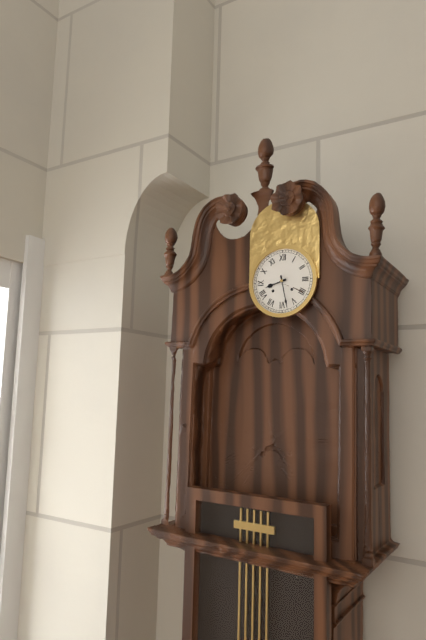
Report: {"hour": 8, "minute": 28}
